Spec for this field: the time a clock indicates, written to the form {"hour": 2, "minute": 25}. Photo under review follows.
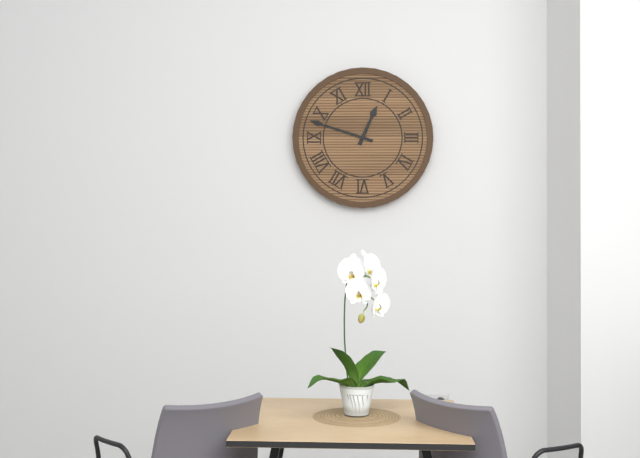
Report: {"hour": 12, "minute": 48}
